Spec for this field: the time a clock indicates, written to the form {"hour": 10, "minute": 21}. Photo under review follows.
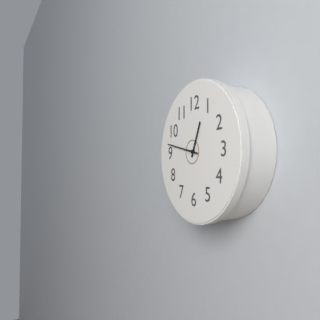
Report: {"hour": 12, "minute": 47}
